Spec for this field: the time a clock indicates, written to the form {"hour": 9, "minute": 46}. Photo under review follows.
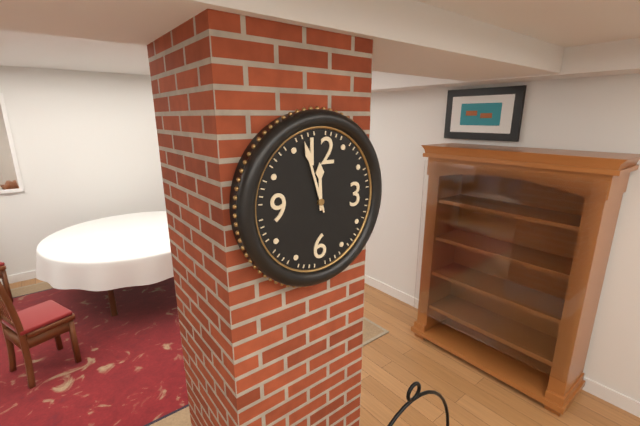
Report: {"hour": 11, "minute": 57}
